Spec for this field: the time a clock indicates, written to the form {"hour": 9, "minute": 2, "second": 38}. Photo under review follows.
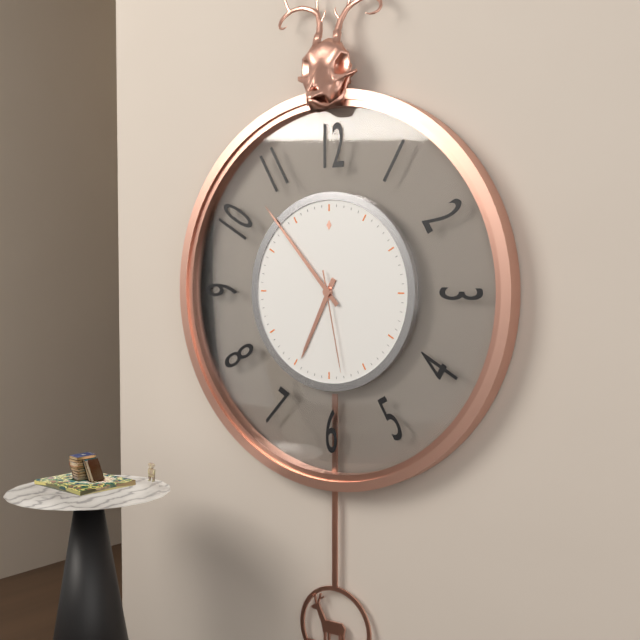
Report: {"hour": 6, "minute": 53, "second": 28}
